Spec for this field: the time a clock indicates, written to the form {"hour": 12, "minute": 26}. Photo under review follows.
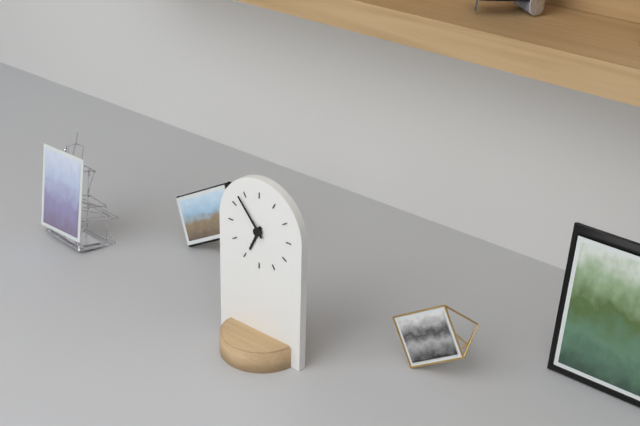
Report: {"hour": 6, "minute": 53}
